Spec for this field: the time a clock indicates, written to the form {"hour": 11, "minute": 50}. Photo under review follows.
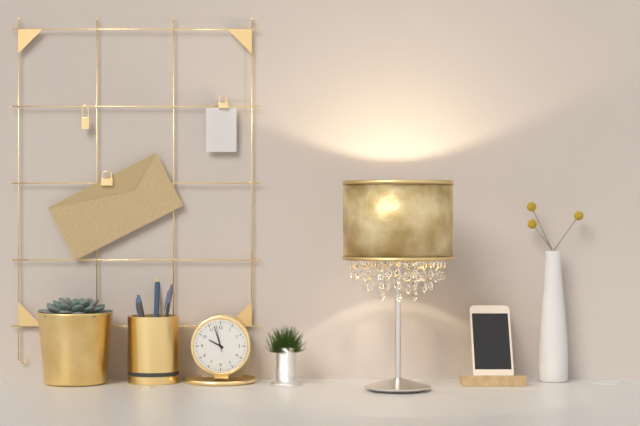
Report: {"hour": 9, "minute": 57}
